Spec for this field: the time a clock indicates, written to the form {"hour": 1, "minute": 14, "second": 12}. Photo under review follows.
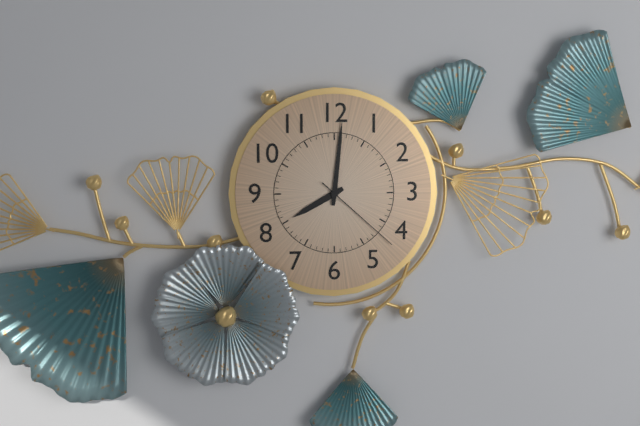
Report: {"hour": 8, "minute": 1, "second": 22}
